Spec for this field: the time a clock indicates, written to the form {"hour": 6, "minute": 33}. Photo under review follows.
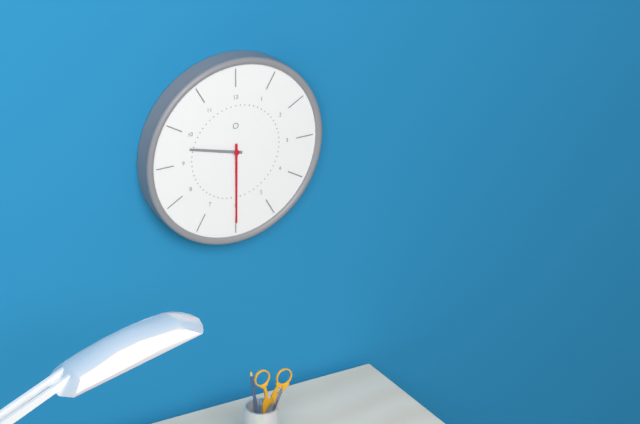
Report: {"hour": 9, "minute": 30}
